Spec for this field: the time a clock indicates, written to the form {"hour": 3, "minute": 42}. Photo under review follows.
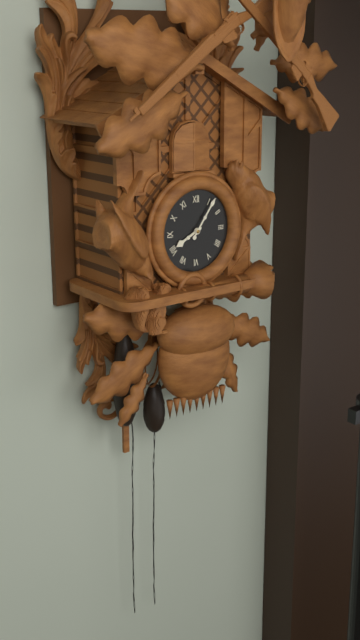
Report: {"hour": 8, "minute": 6}
